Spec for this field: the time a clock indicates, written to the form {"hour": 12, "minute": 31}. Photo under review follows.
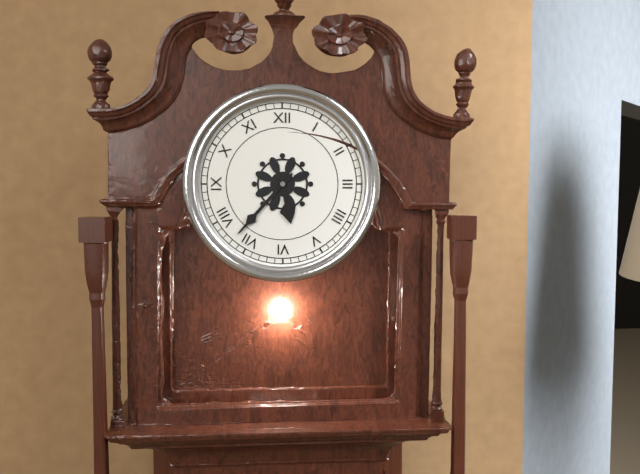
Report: {"hour": 5, "minute": 37}
